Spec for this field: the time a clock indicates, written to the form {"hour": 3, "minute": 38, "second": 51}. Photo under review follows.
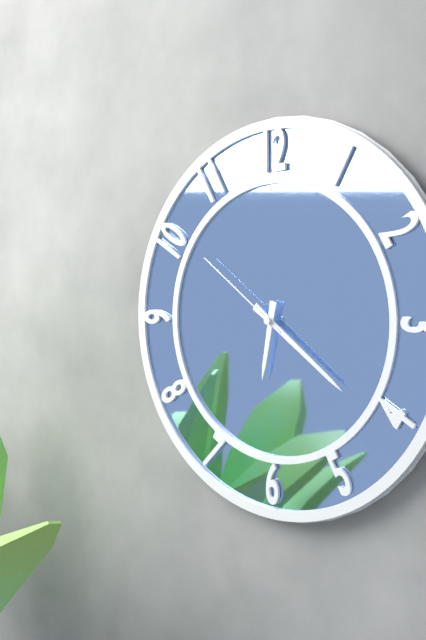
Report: {"hour": 6, "minute": 21, "second": 51}
